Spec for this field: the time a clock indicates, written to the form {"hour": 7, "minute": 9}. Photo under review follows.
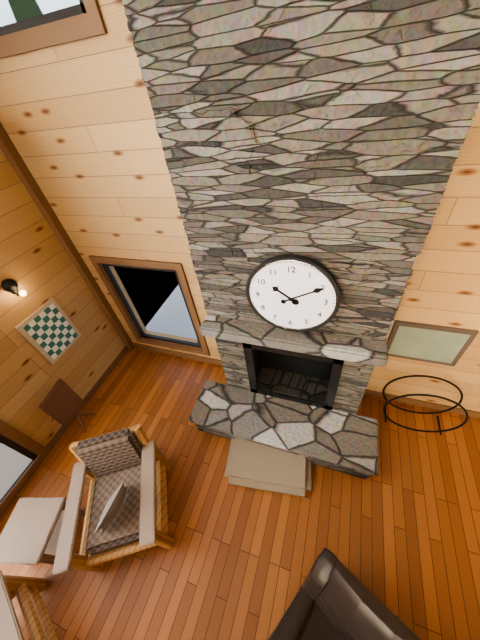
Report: {"hour": 10, "minute": 10}
